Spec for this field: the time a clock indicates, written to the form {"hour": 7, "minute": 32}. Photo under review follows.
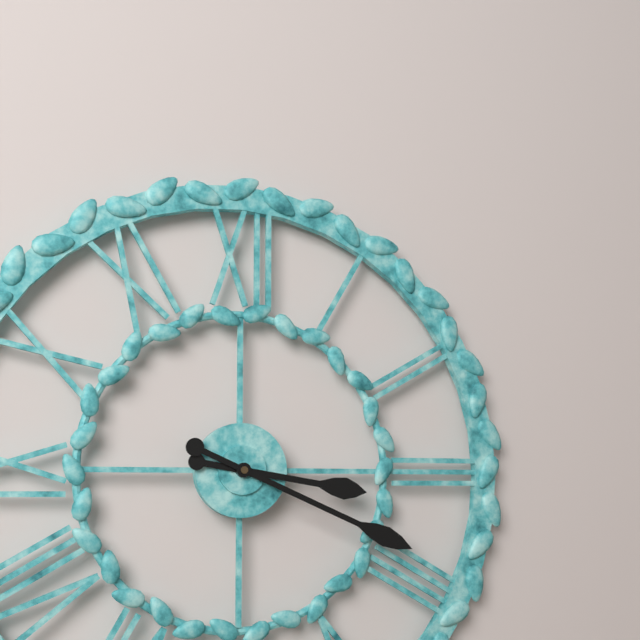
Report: {"hour": 3, "minute": 19}
